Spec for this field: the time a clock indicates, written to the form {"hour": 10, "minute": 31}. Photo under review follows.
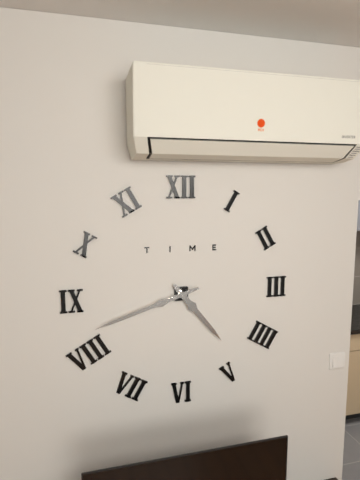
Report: {"hour": 4, "minute": 42}
